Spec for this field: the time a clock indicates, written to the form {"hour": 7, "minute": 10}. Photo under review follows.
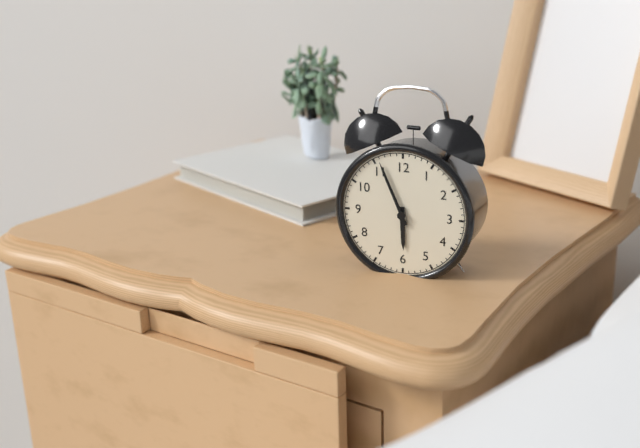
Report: {"hour": 5, "minute": 56}
